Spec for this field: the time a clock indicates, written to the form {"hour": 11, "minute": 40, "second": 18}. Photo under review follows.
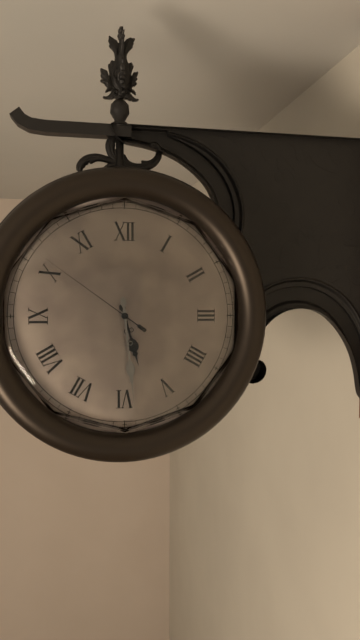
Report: {"hour": 5, "minute": 29, "second": 51}
